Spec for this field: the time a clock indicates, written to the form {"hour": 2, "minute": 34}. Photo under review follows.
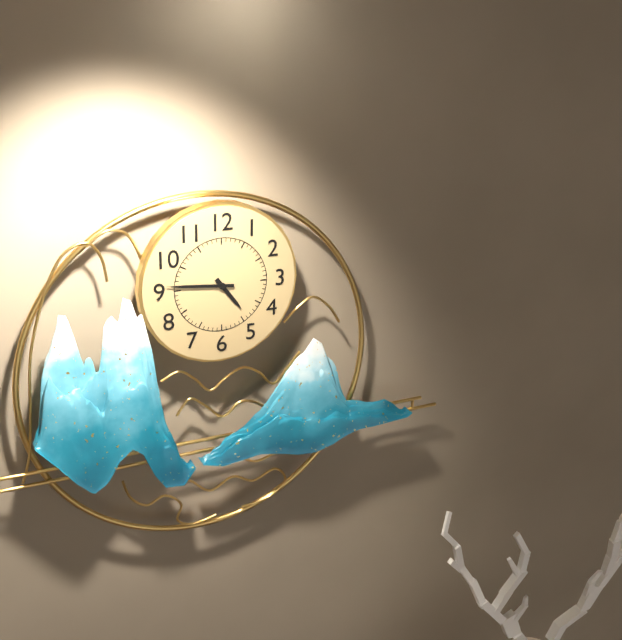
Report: {"hour": 4, "minute": 46}
